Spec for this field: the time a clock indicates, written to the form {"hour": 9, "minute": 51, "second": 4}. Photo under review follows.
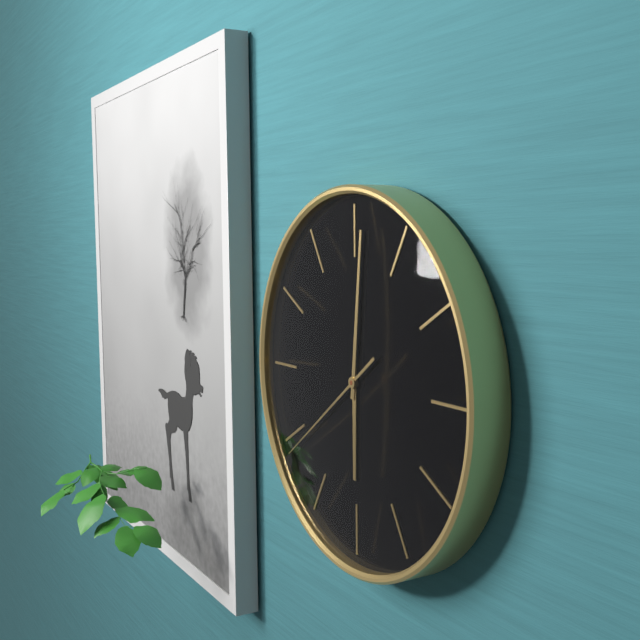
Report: {"hour": 6, "minute": 1, "second": 39}
